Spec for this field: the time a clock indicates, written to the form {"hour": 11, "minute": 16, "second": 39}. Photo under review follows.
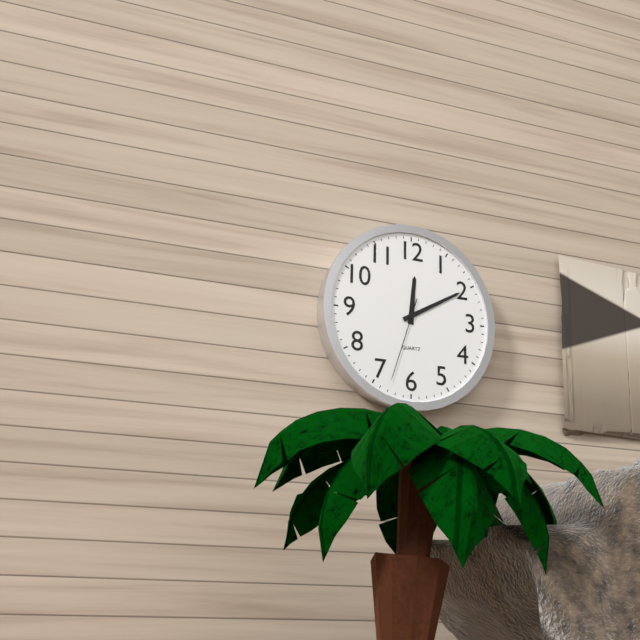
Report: {"hour": 12, "minute": 10, "second": 33}
